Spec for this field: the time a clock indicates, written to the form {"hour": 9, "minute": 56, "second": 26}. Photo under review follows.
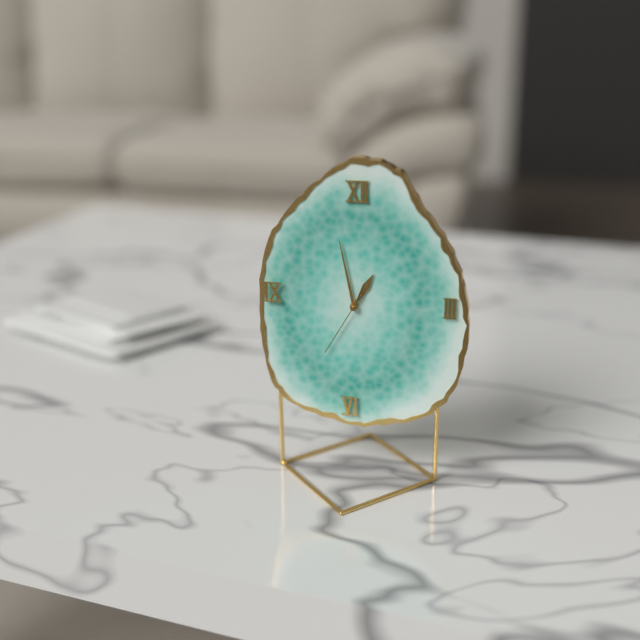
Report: {"hour": 12, "minute": 58, "second": 35}
